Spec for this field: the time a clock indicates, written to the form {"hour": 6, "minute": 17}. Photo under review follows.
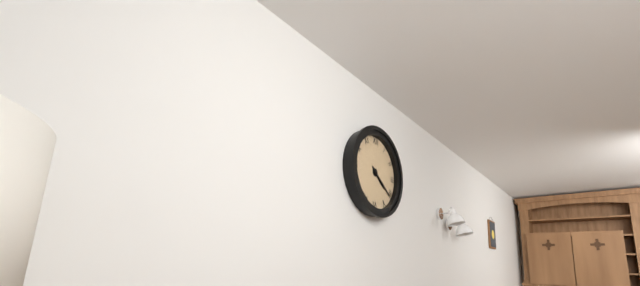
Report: {"hour": 4, "minute": 21}
